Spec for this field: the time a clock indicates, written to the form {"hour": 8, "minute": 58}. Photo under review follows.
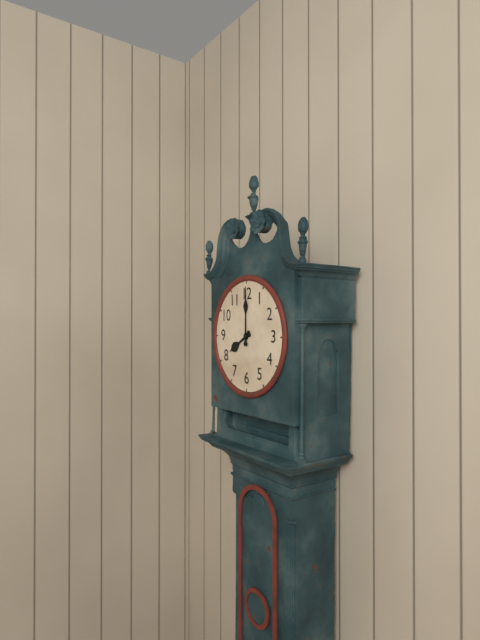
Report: {"hour": 8, "minute": 0}
